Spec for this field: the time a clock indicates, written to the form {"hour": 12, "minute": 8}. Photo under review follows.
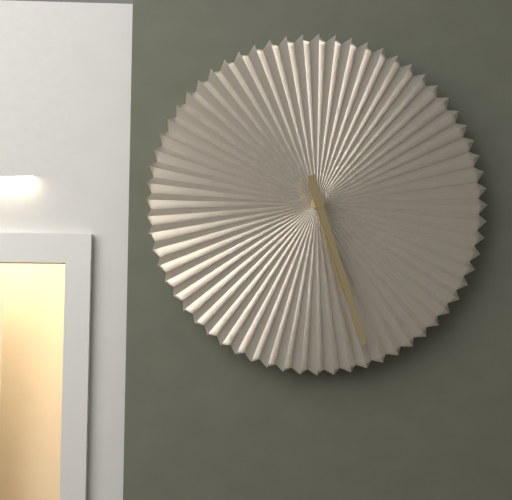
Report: {"hour": 5, "minute": 27}
